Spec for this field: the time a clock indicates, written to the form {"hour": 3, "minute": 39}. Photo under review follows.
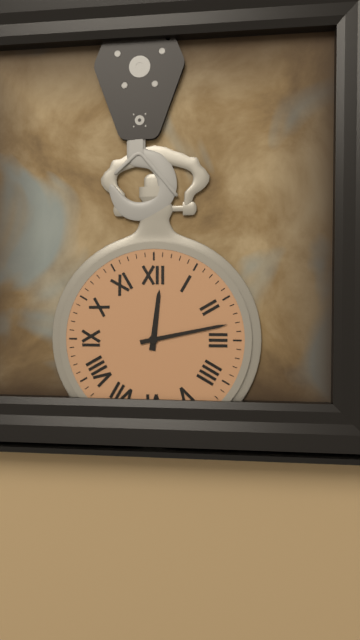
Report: {"hour": 12, "minute": 13}
